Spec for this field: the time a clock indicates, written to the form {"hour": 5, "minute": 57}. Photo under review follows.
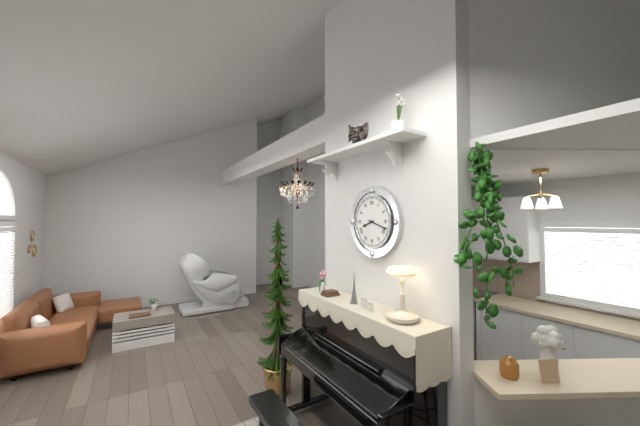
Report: {"hour": 8, "minute": 18}
